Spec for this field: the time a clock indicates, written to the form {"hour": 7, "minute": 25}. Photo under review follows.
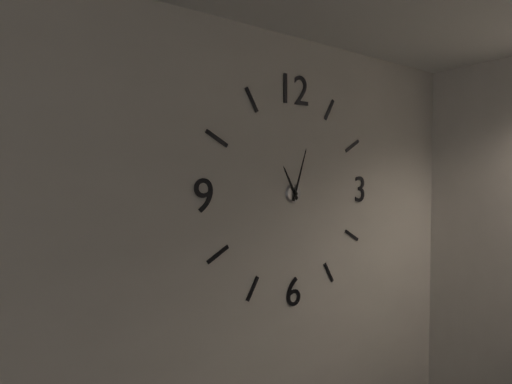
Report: {"hour": 11, "minute": 3}
